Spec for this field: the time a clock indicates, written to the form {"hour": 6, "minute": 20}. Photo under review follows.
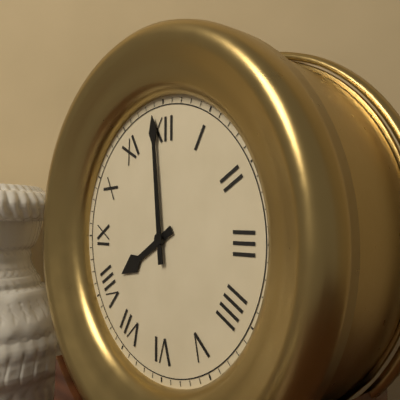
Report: {"hour": 7, "minute": 59}
